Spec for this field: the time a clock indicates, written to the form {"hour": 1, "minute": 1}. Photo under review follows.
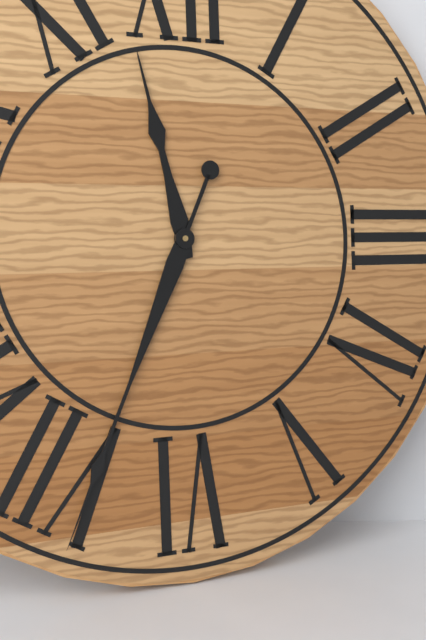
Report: {"hour": 11, "minute": 34}
